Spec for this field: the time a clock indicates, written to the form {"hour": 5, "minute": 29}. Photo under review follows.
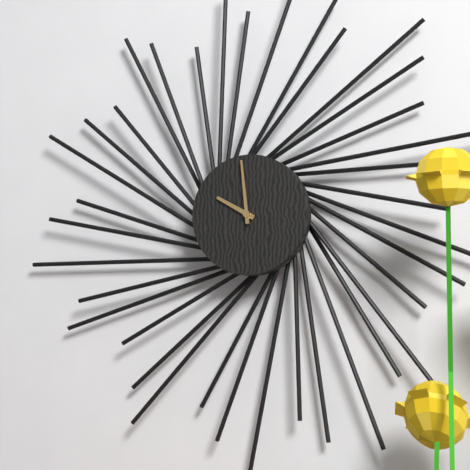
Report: {"hour": 9, "minute": 59}
